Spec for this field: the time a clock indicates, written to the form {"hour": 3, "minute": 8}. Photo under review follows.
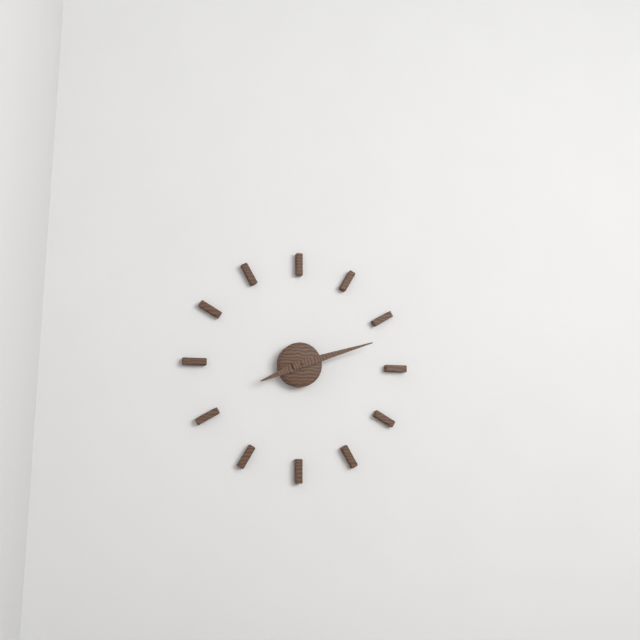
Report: {"hour": 8, "minute": 12}
